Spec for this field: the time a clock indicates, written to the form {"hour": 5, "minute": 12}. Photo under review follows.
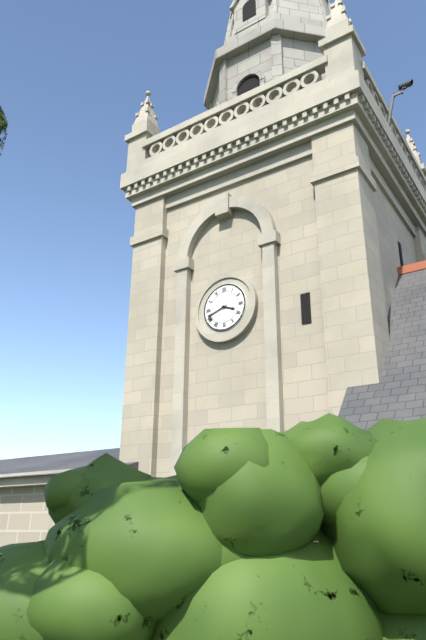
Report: {"hour": 3, "minute": 42}
